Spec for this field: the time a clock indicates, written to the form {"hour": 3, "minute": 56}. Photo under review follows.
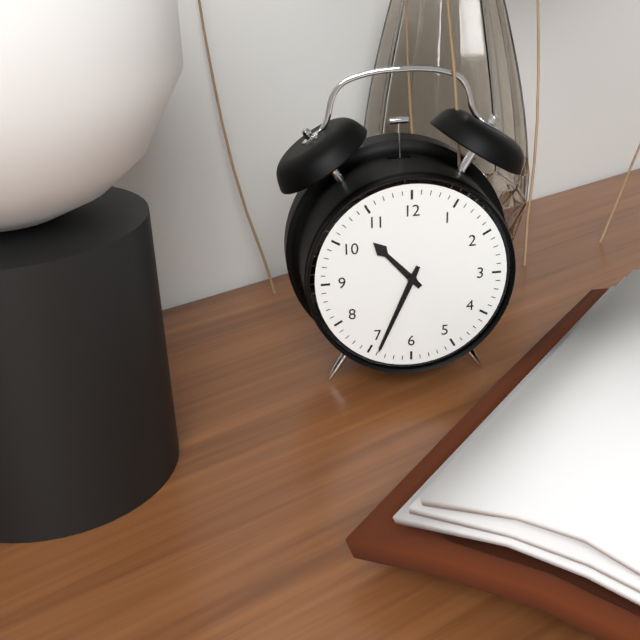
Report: {"hour": 10, "minute": 34}
